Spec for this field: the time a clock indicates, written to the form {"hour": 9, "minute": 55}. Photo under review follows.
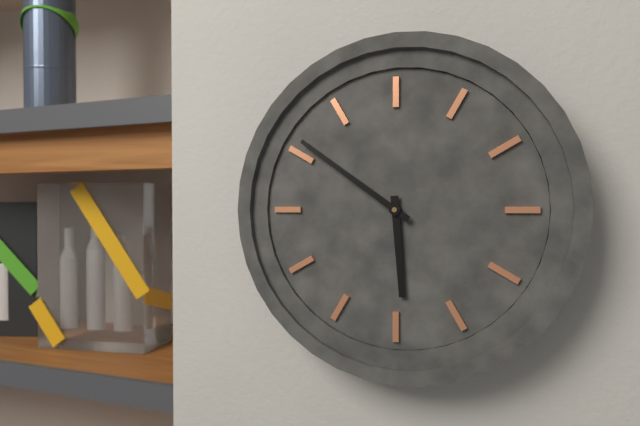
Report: {"hour": 5, "minute": 51}
